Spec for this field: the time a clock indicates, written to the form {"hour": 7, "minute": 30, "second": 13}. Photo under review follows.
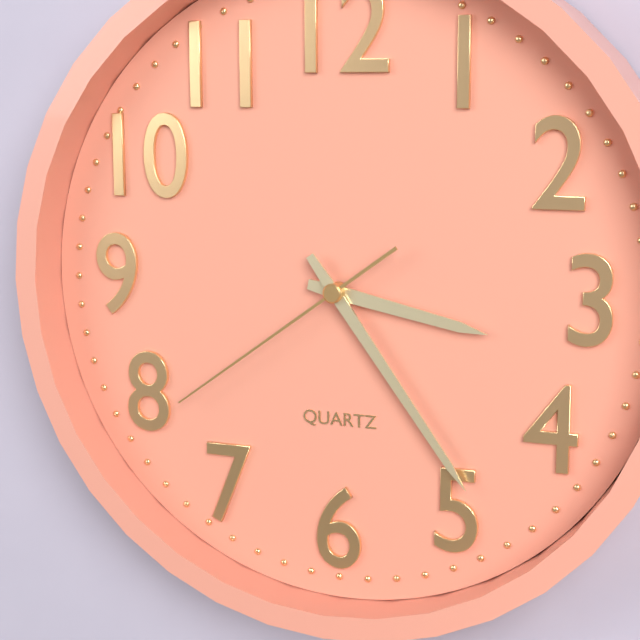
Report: {"hour": 3, "minute": 24, "second": 39}
